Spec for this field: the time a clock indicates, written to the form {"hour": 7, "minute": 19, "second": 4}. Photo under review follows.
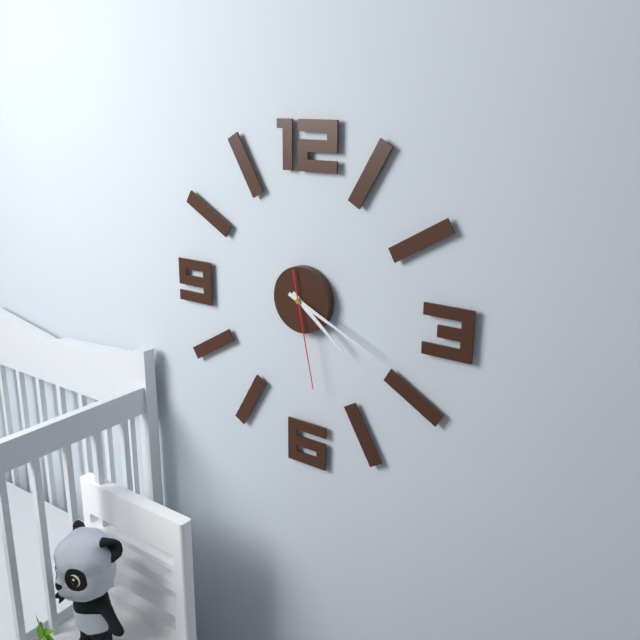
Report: {"hour": 4, "minute": 19, "second": 28}
